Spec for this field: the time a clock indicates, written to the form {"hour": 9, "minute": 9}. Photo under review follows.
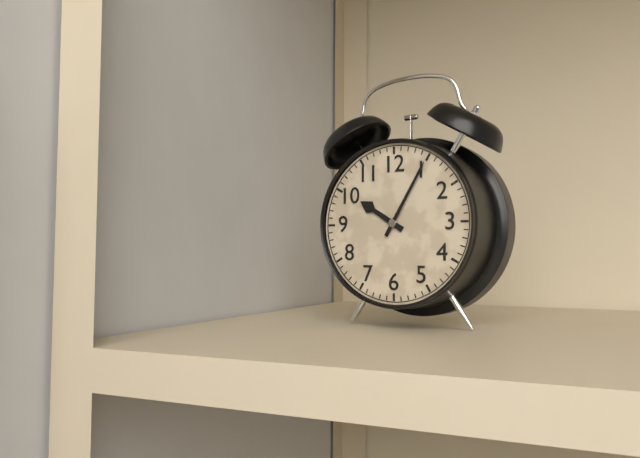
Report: {"hour": 10, "minute": 5}
